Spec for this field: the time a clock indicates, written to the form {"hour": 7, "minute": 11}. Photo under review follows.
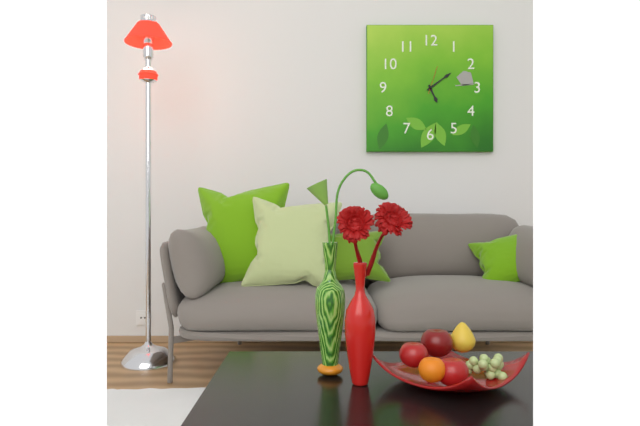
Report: {"hour": 5, "minute": 9}
